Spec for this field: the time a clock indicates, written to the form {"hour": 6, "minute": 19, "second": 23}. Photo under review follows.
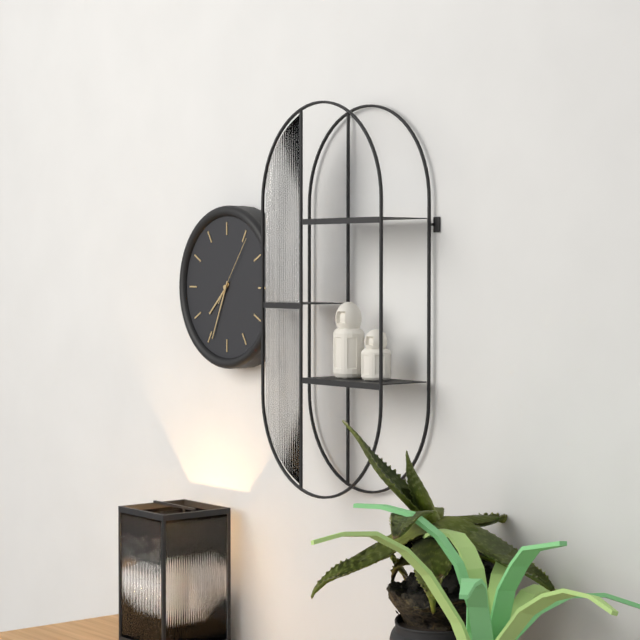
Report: {"hour": 7, "minute": 34, "second": 6}
